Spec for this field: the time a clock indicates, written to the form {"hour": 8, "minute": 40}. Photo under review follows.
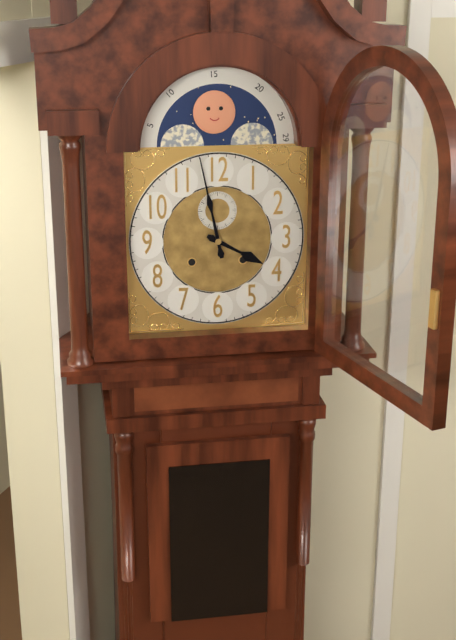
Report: {"hour": 3, "minute": 58}
